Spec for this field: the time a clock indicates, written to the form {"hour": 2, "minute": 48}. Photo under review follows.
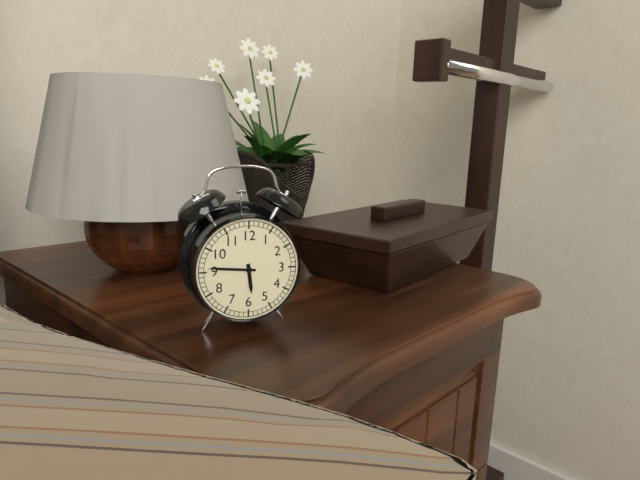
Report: {"hour": 5, "minute": 46}
